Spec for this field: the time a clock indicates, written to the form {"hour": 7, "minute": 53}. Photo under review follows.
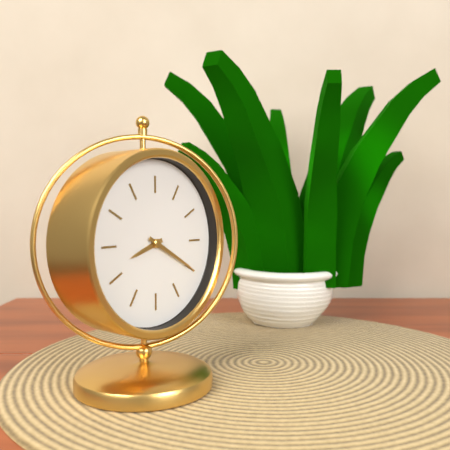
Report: {"hour": 8, "minute": 20}
